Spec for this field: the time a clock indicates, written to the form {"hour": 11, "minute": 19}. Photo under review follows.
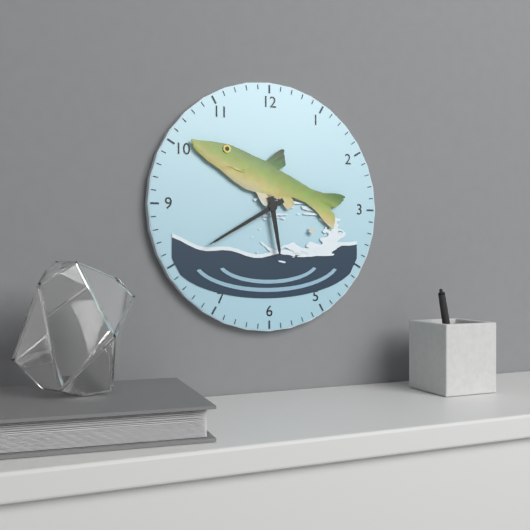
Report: {"hour": 5, "minute": 40}
